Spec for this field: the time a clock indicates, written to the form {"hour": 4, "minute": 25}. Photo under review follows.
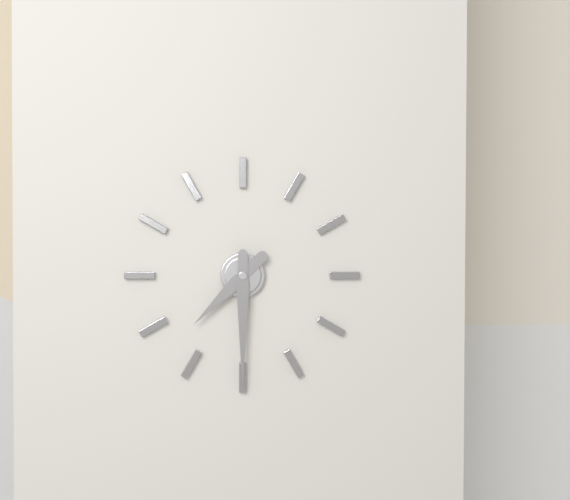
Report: {"hour": 7, "minute": 30}
